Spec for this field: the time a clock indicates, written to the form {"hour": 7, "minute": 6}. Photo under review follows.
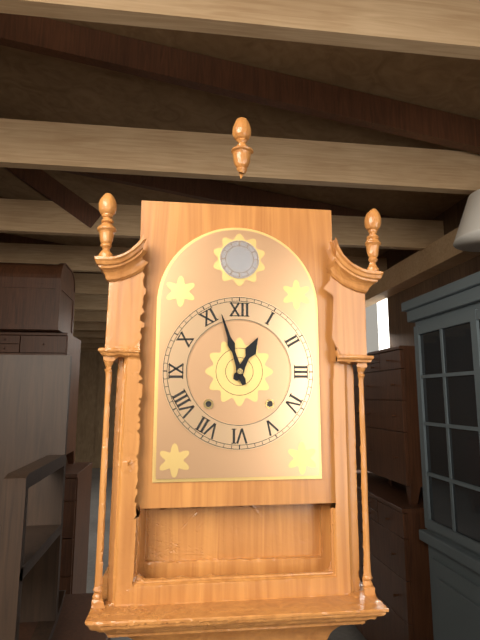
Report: {"hour": 12, "minute": 57}
